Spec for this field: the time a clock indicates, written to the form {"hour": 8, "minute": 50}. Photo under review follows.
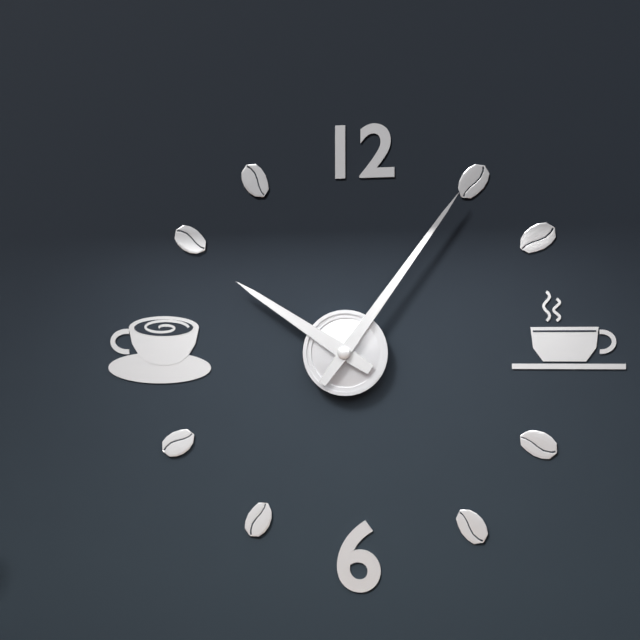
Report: {"hour": 10, "minute": 6}
